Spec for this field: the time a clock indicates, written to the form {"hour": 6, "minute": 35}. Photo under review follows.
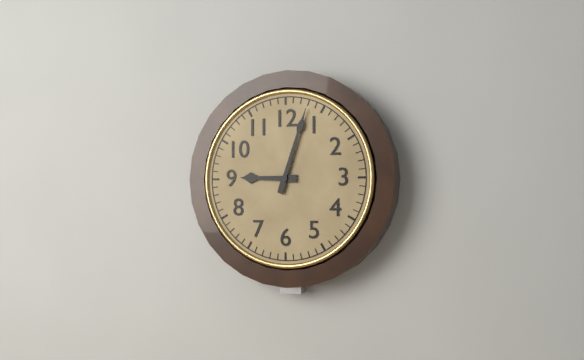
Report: {"hour": 9, "minute": 3}
